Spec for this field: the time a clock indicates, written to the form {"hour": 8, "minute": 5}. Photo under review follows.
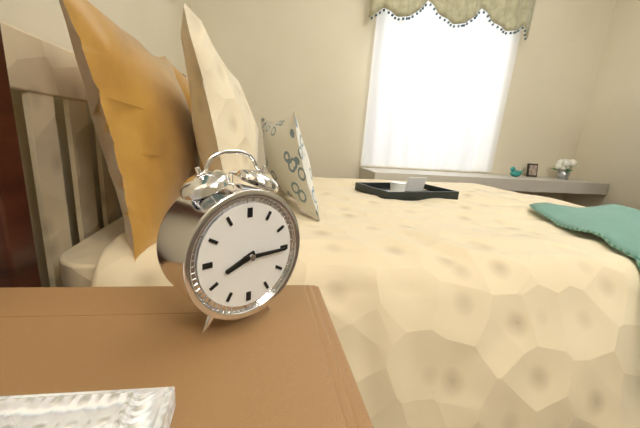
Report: {"hour": 8, "minute": 15}
